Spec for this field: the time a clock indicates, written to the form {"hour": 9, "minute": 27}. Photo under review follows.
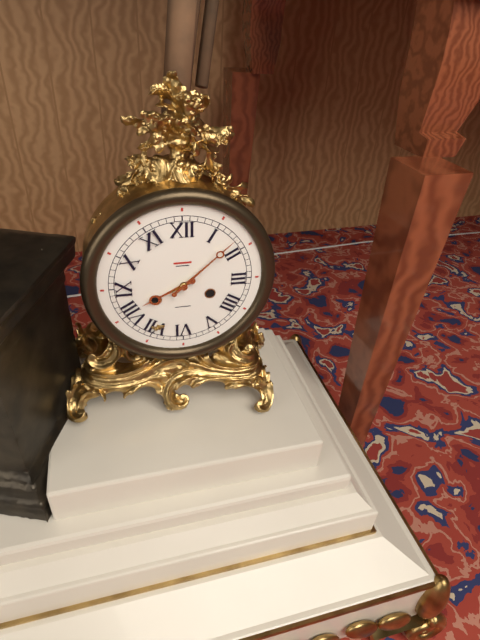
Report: {"hour": 8, "minute": 8}
